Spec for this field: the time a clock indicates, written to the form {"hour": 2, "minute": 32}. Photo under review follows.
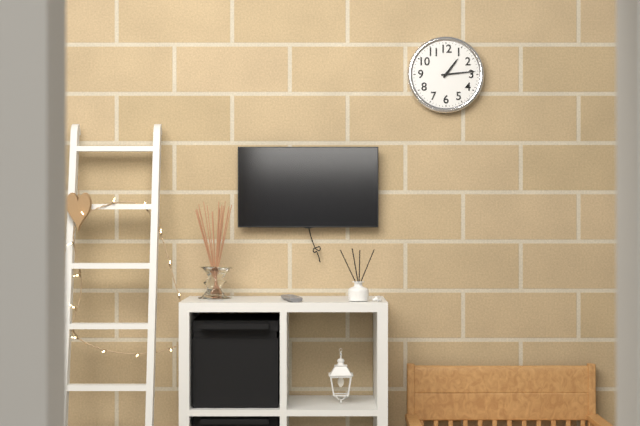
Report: {"hour": 1, "minute": 14}
